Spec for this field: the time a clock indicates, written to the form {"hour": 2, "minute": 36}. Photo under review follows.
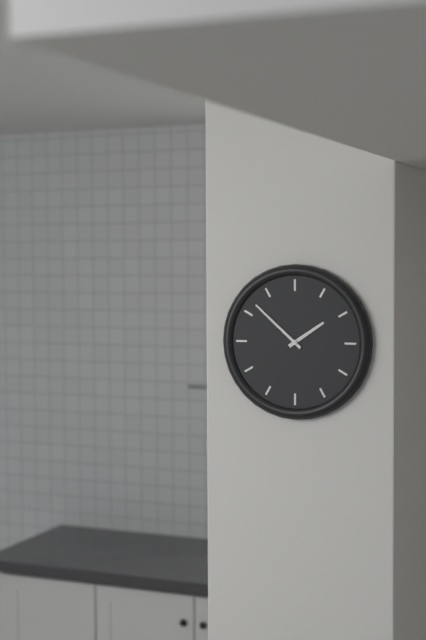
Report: {"hour": 1, "minute": 52}
